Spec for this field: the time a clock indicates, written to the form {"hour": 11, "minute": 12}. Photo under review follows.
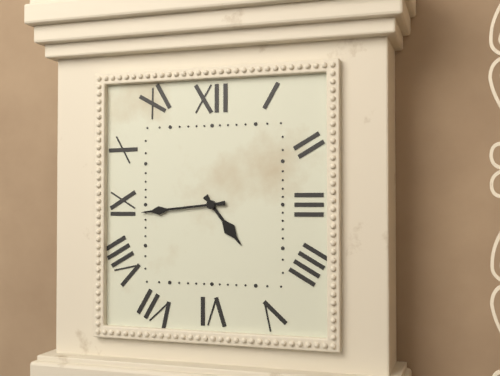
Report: {"hour": 4, "minute": 44}
